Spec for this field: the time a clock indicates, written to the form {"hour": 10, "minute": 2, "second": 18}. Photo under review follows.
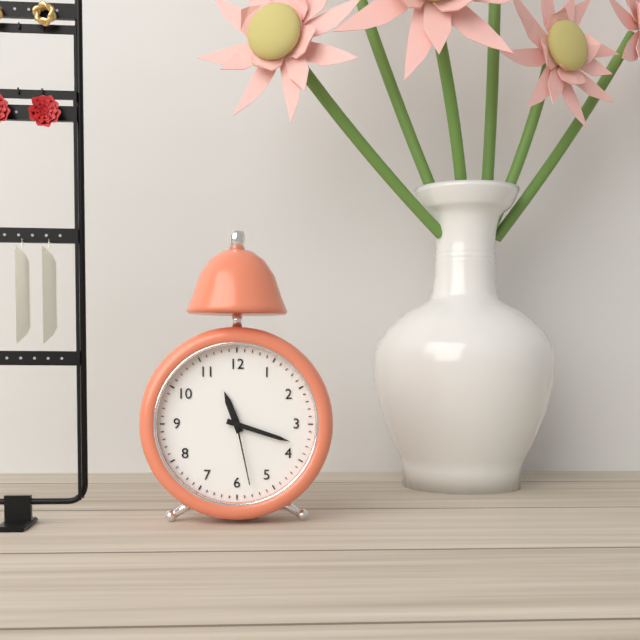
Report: {"hour": 11, "minute": 18, "second": 28}
